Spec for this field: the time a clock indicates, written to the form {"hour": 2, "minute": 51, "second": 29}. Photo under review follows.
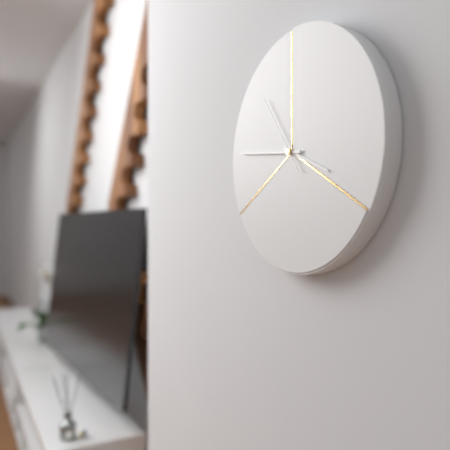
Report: {"hour": 3, "minute": 46, "second": 54}
